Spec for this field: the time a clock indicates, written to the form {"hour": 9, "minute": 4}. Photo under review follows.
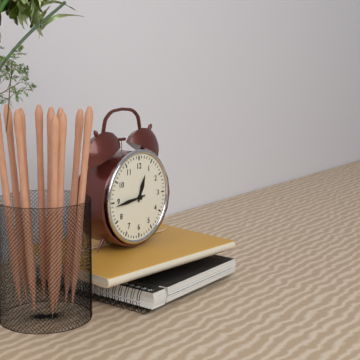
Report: {"hour": 12, "minute": 44}
